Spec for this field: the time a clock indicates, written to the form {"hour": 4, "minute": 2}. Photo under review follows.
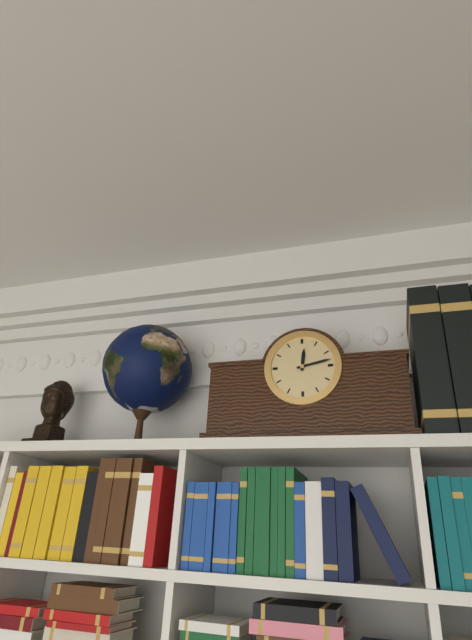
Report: {"hour": 12, "minute": 13}
